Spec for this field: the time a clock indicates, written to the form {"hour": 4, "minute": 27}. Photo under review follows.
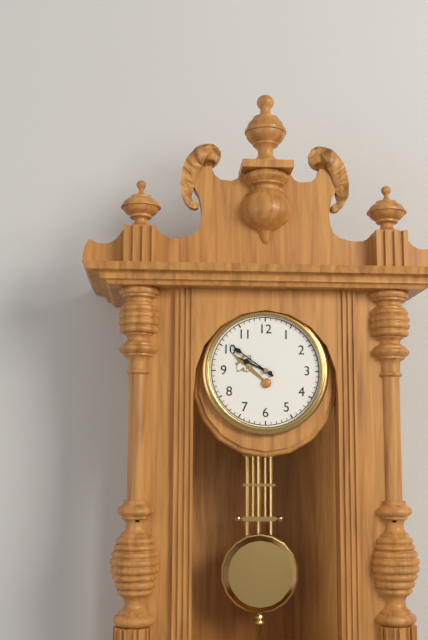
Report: {"hour": 9, "minute": 51}
